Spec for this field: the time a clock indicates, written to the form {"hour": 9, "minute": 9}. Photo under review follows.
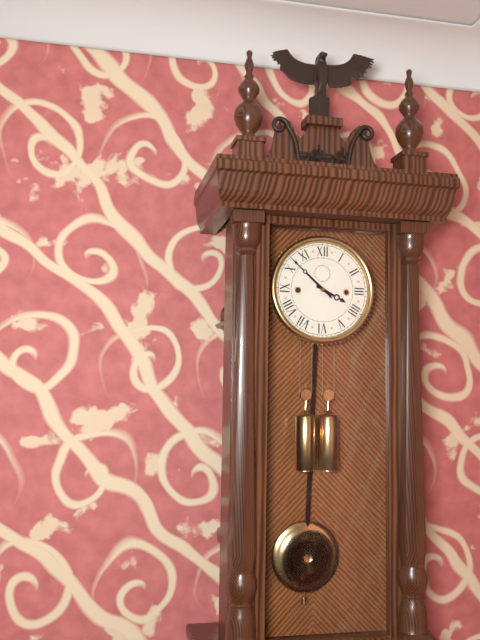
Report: {"hour": 3, "minute": 52}
